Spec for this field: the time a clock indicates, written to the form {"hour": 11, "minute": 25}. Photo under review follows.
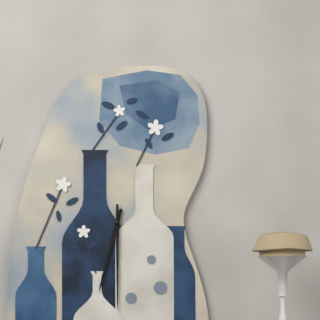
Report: {"hour": 6, "minute": 30}
